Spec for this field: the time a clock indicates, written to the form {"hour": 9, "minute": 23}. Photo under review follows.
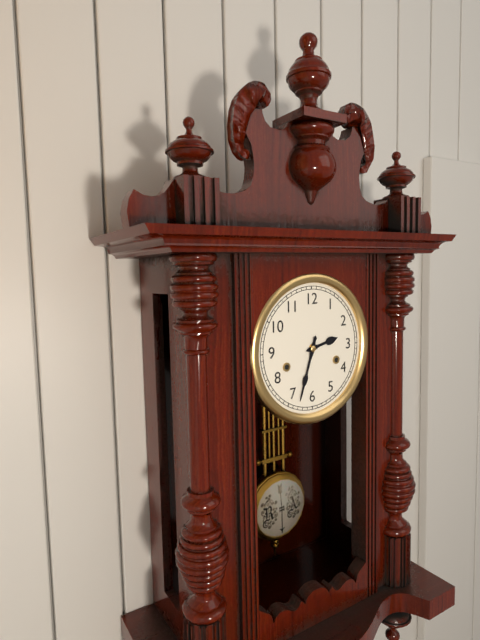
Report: {"hour": 2, "minute": 33}
